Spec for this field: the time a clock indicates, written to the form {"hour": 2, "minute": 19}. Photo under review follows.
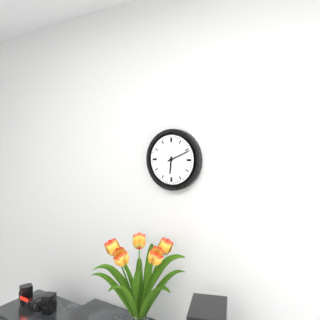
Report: {"hour": 6, "minute": 11}
